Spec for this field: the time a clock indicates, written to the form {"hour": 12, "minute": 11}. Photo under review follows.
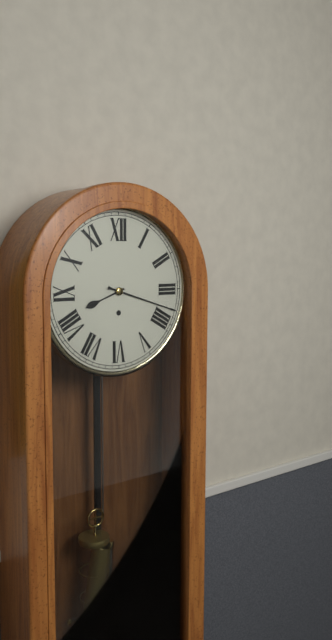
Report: {"hour": 8, "minute": 18}
